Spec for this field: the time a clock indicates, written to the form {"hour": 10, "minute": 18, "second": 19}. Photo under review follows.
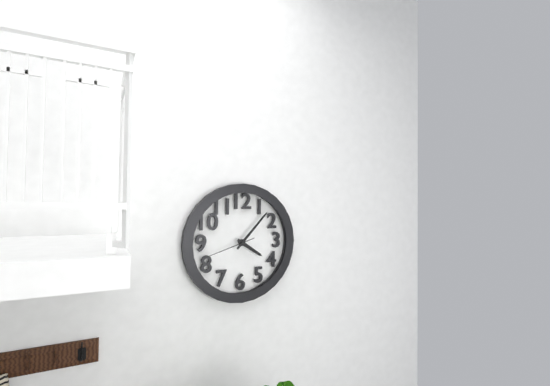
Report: {"hour": 4, "minute": 7, "second": 42}
